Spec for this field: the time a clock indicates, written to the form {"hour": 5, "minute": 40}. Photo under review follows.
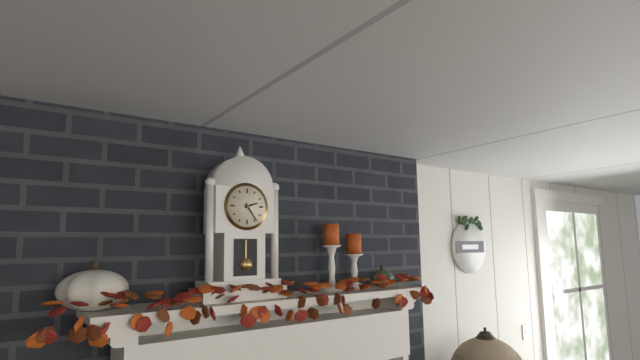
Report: {"hour": 2, "minute": 24}
